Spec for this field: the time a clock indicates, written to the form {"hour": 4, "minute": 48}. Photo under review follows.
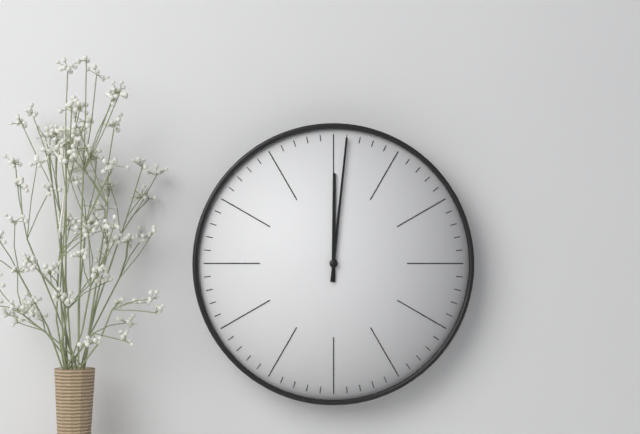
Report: {"hour": 12, "minute": 1}
